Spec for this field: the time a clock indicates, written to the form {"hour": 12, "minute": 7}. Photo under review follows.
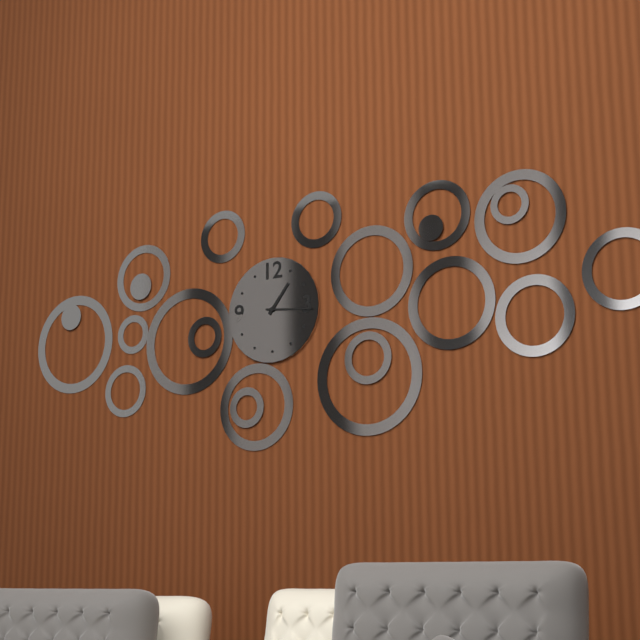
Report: {"hour": 1, "minute": 16}
